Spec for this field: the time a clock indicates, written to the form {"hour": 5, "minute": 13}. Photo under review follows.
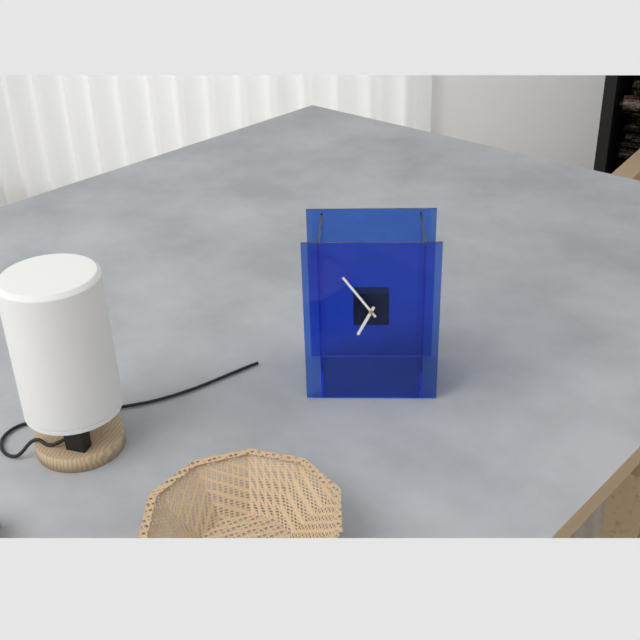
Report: {"hour": 6, "minute": 54}
